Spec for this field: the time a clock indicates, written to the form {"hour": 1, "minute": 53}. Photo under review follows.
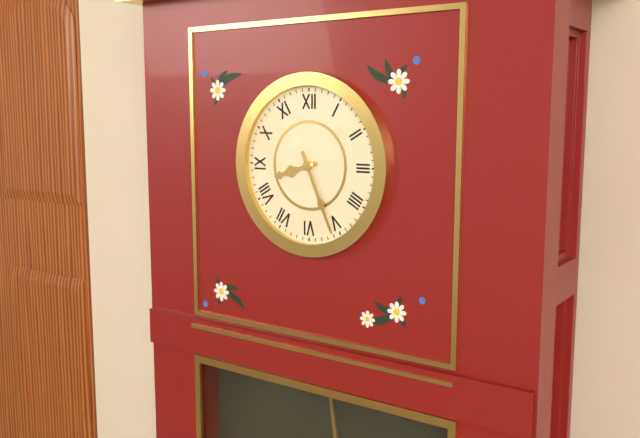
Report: {"hour": 8, "minute": 26}
